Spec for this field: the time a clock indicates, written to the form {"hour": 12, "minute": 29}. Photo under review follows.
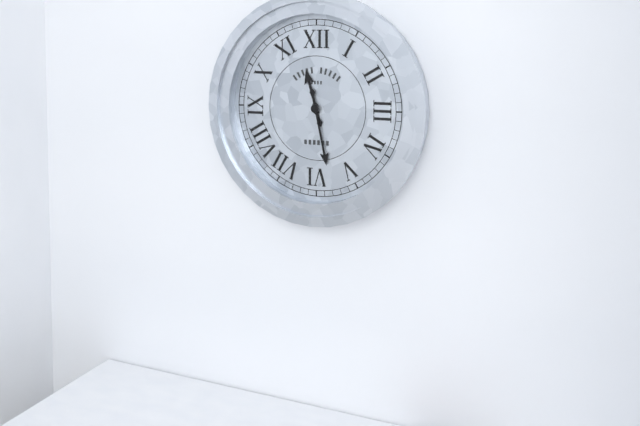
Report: {"hour": 11, "minute": 28}
